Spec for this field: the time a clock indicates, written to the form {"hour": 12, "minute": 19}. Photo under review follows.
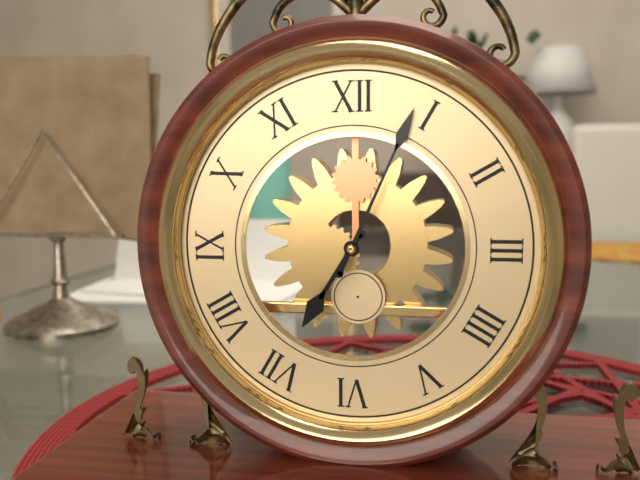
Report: {"hour": 7, "minute": 4}
